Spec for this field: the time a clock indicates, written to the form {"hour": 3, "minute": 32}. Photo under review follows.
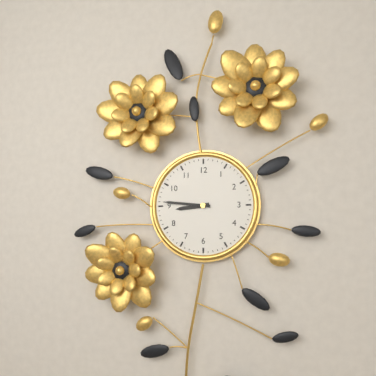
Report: {"hour": 8, "minute": 46}
